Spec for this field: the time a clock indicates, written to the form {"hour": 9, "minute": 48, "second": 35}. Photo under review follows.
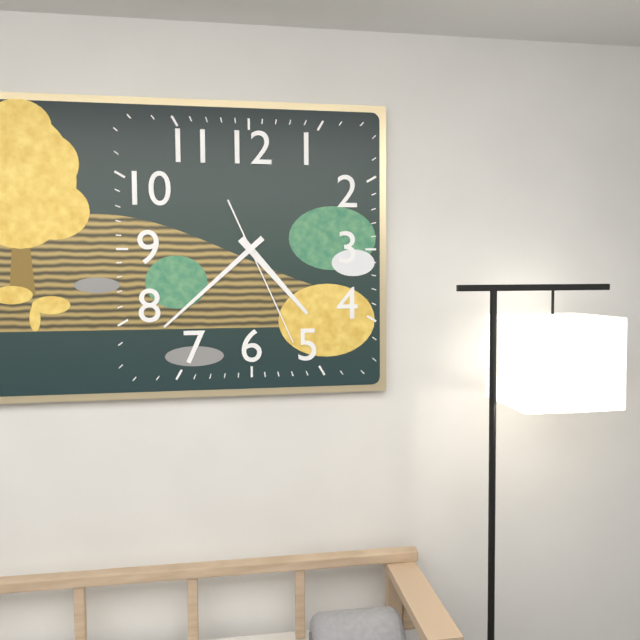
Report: {"hour": 4, "minute": 38, "second": 26}
